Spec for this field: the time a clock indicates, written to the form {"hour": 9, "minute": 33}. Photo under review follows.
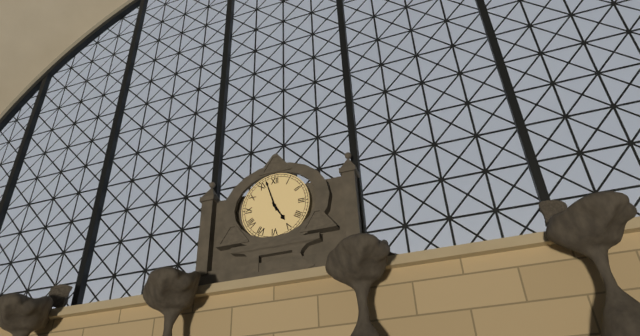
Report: {"hour": 4, "minute": 57}
